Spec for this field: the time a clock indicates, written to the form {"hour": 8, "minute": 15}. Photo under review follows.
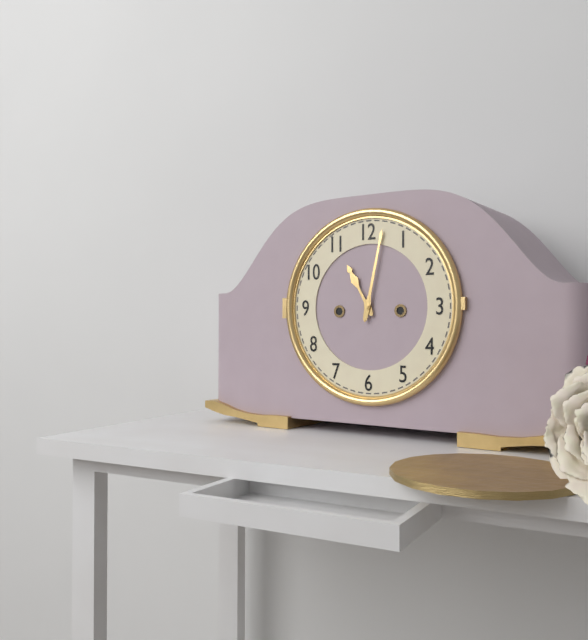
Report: {"hour": 11, "minute": 2}
